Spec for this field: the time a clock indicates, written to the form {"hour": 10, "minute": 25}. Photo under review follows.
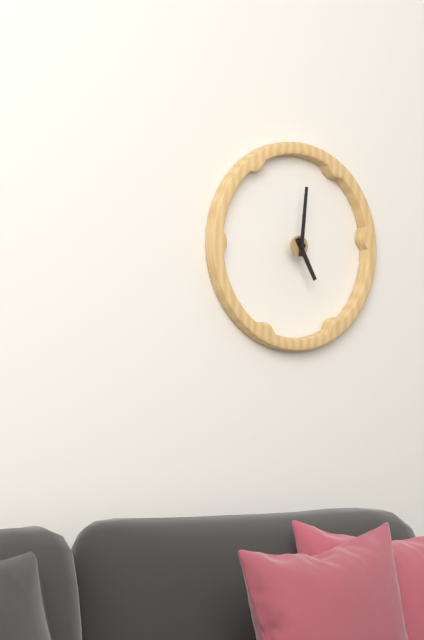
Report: {"hour": 5, "minute": 1}
